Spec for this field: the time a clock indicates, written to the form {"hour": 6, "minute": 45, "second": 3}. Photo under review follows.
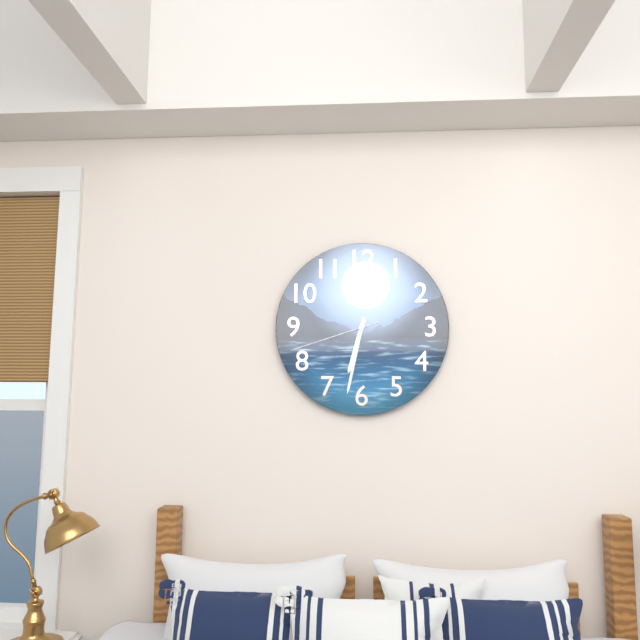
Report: {"hour": 6, "minute": 32, "second": 42}
